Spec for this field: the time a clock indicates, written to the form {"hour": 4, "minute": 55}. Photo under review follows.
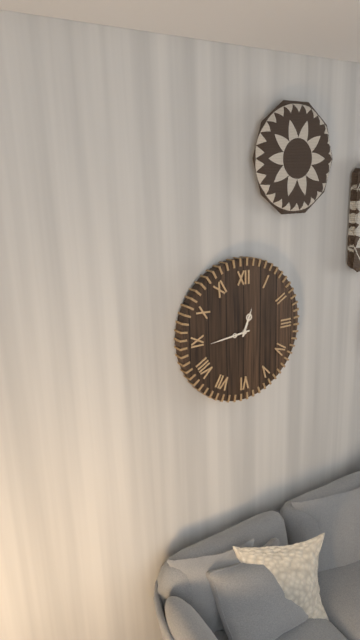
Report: {"hour": 12, "minute": 44}
